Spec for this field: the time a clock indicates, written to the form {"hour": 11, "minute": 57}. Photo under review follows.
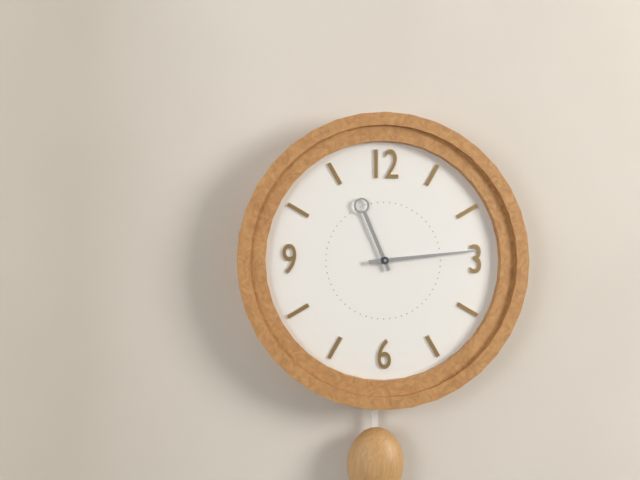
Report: {"hour": 11, "minute": 14}
